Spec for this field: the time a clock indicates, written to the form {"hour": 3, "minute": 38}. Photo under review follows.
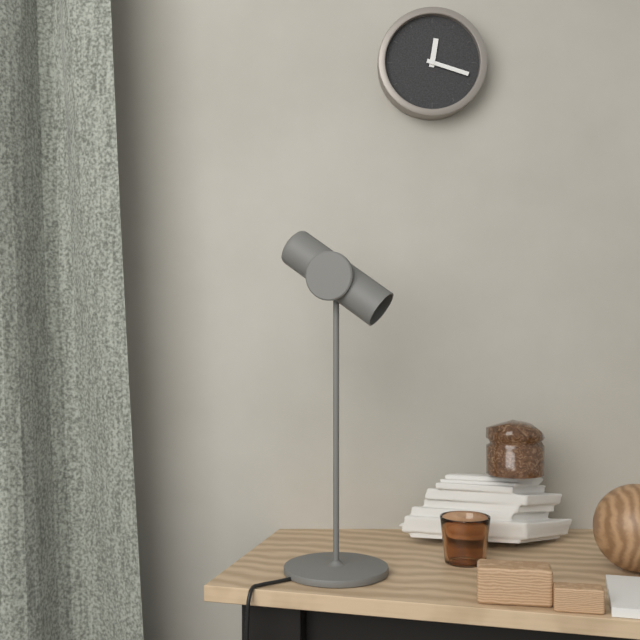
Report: {"hour": 12, "minute": 18}
